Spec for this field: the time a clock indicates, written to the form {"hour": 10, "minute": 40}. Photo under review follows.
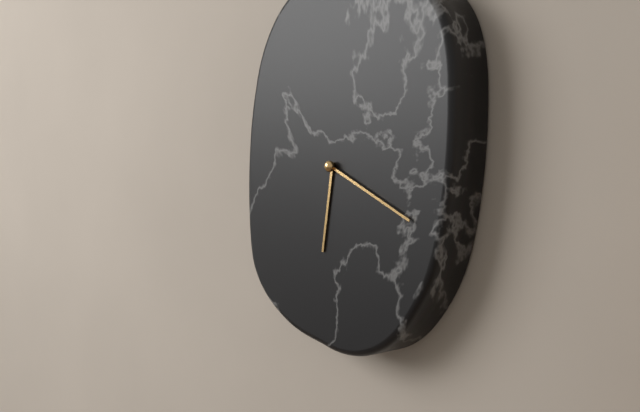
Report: {"hour": 6, "minute": 19}
